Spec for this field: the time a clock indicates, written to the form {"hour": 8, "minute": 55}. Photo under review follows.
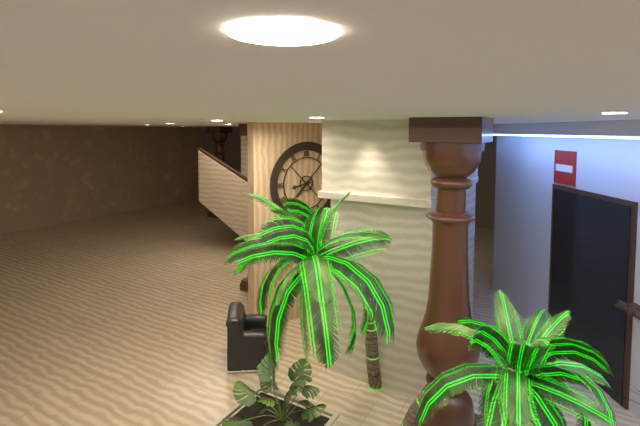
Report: {"hour": 8, "minute": 37}
